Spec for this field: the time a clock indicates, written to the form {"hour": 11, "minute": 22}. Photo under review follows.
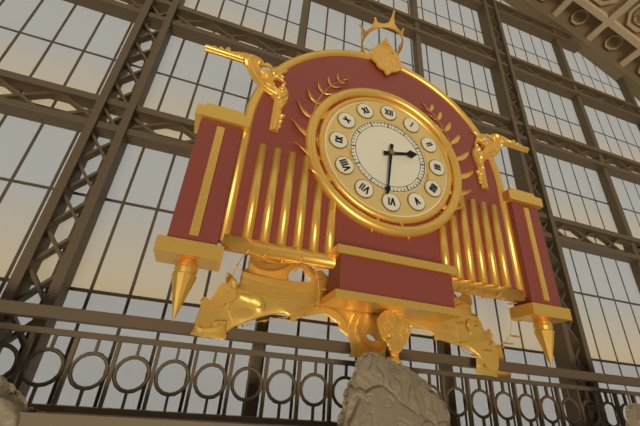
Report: {"hour": 2, "minute": 31}
